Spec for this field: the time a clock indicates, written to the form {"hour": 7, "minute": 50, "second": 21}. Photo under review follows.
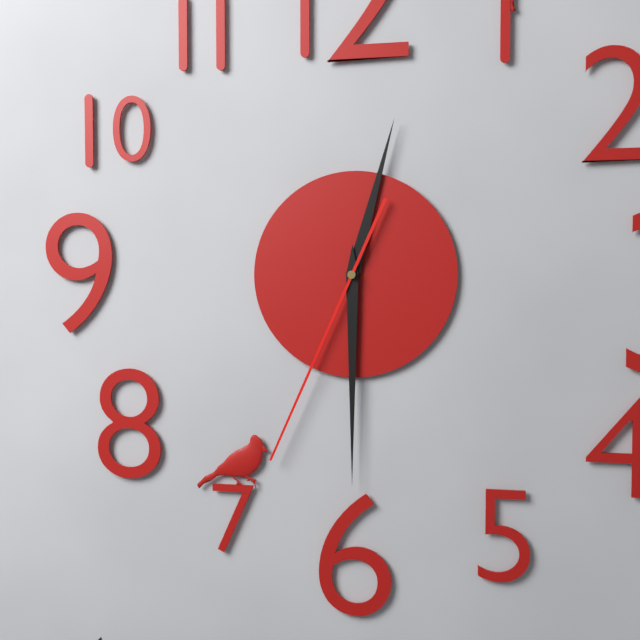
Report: {"hour": 12, "minute": 30, "second": 34}
